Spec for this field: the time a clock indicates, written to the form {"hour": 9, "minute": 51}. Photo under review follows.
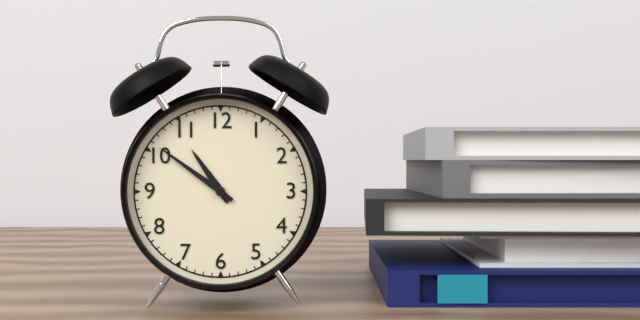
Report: {"hour": 10, "minute": 51}
